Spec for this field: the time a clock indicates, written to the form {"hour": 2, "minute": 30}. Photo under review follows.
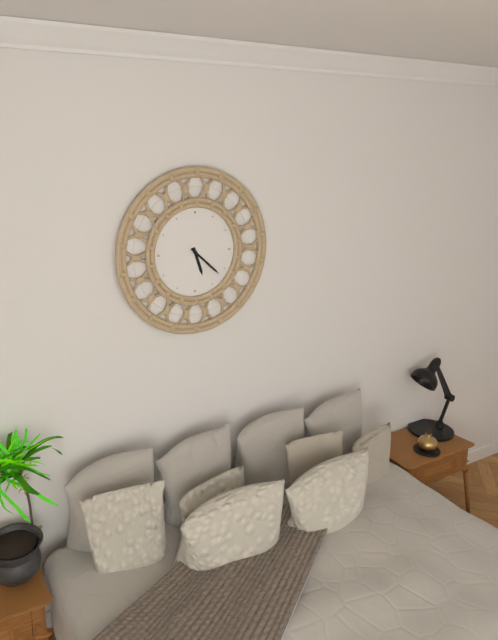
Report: {"hour": 5, "minute": 22}
